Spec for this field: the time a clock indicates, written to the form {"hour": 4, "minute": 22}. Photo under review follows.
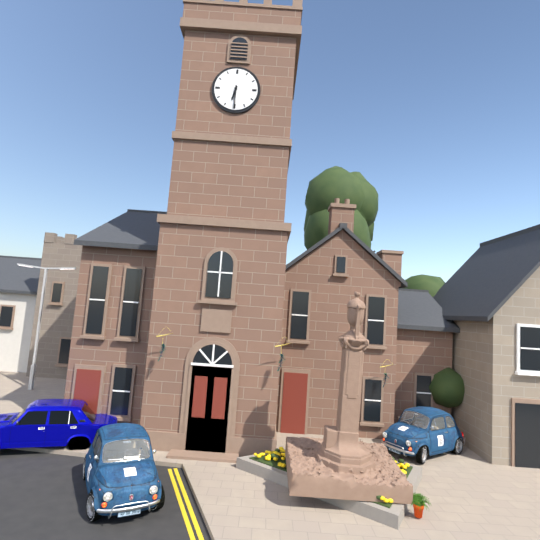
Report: {"hour": 6, "minute": 30}
